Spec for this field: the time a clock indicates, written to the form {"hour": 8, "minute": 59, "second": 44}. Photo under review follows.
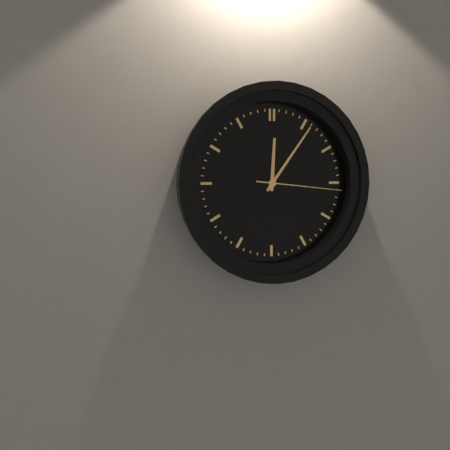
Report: {"hour": 12, "minute": 6, "second": 16}
